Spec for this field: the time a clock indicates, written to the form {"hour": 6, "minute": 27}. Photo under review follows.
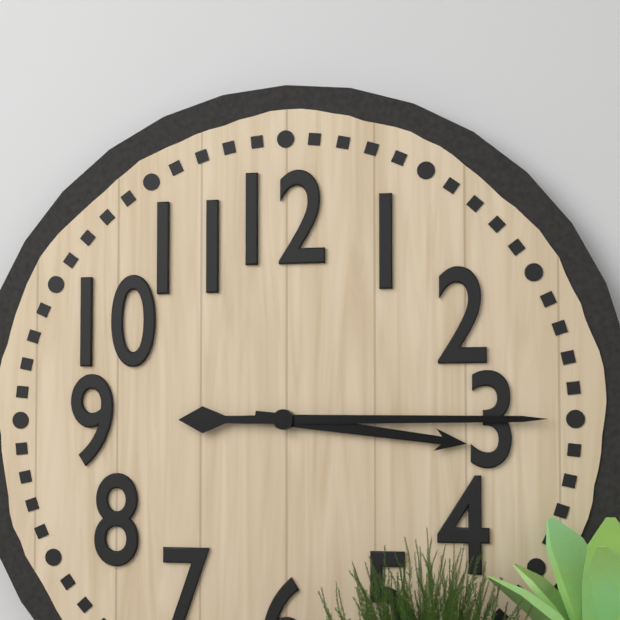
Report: {"hour": 3, "minute": 15}
